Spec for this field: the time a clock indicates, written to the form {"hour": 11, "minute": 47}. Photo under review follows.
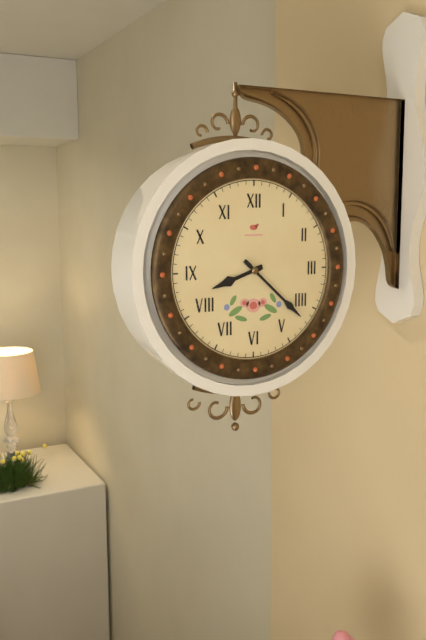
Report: {"hour": 8, "minute": 22}
